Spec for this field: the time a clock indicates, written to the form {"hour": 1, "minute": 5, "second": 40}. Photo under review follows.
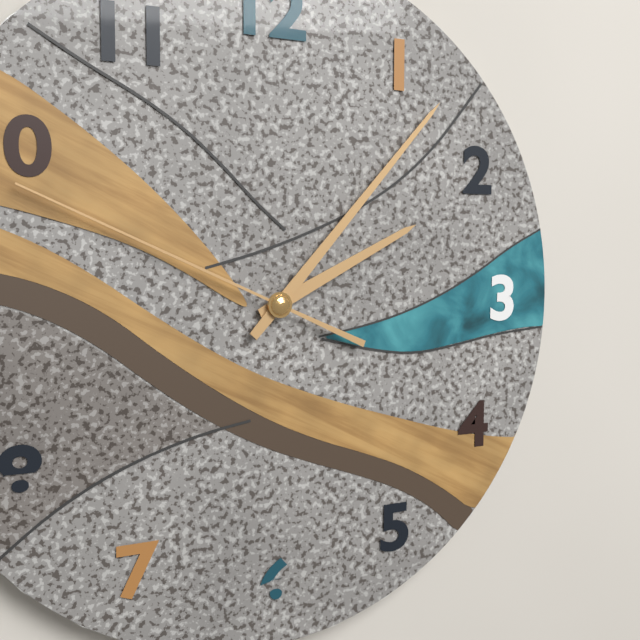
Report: {"hour": 2, "minute": 7, "second": 49}
